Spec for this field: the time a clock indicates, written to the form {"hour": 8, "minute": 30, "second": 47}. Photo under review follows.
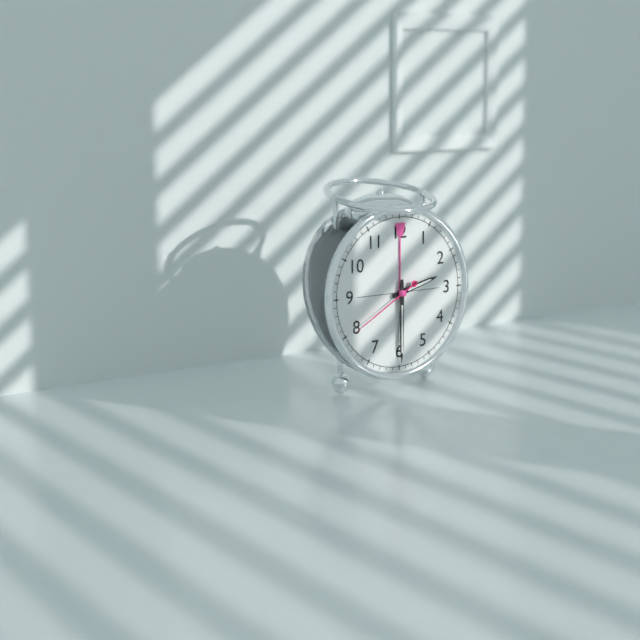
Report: {"hour": 2, "minute": 30, "second": 40}
